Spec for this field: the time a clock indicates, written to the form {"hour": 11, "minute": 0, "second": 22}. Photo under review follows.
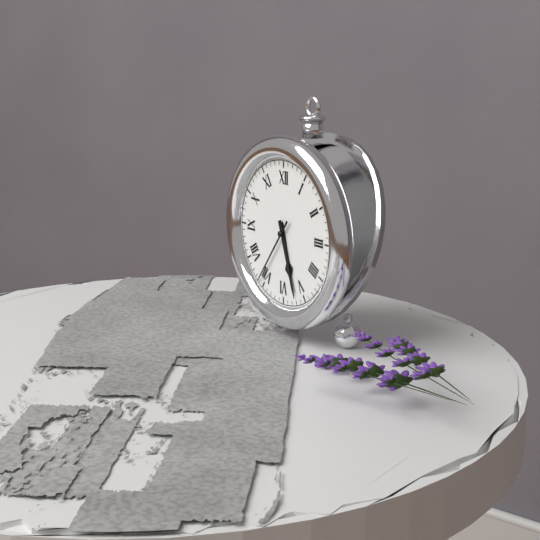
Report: {"hour": 5, "minute": 27, "second": 36}
